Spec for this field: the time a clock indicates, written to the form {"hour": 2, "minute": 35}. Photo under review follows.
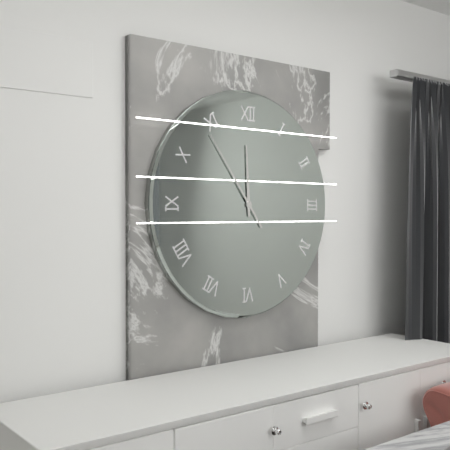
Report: {"hour": 11, "minute": 54}
